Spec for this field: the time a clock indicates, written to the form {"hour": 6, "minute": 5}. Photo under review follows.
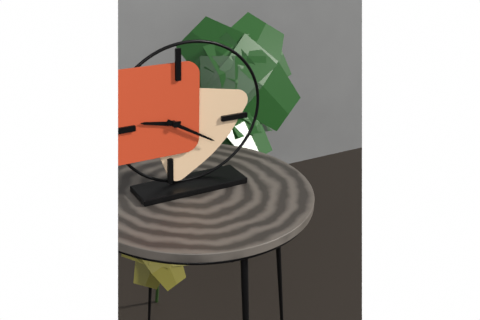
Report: {"hour": 9, "minute": 20}
